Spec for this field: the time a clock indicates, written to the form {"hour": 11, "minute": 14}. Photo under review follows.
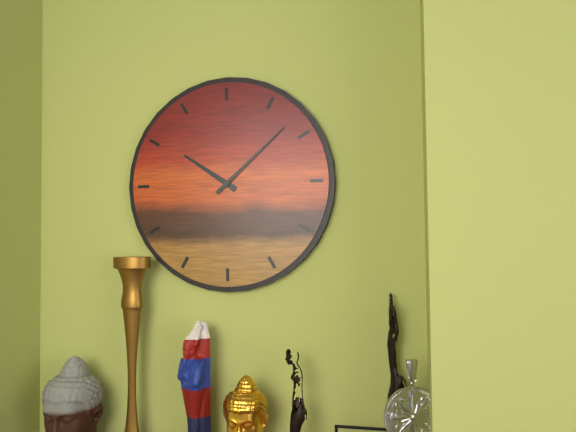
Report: {"hour": 10, "minute": 8}
